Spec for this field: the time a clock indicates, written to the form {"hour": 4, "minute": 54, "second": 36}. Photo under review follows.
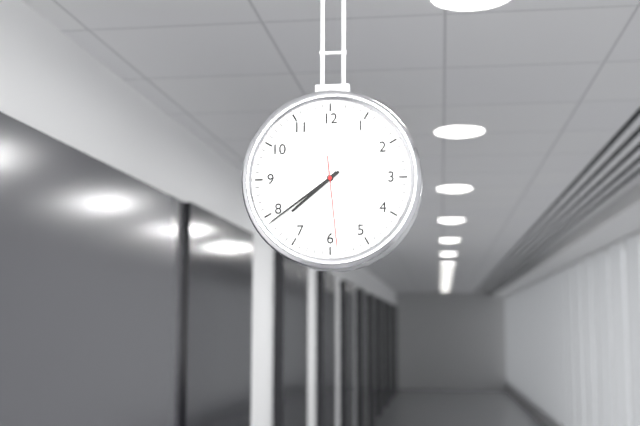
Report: {"hour": 7, "minute": 39, "second": 29}
